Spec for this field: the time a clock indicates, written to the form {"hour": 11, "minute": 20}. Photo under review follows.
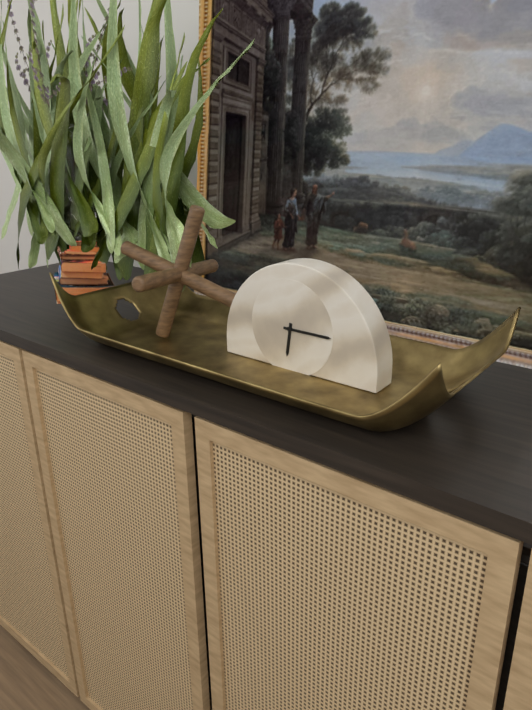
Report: {"hour": 6, "minute": 15}
